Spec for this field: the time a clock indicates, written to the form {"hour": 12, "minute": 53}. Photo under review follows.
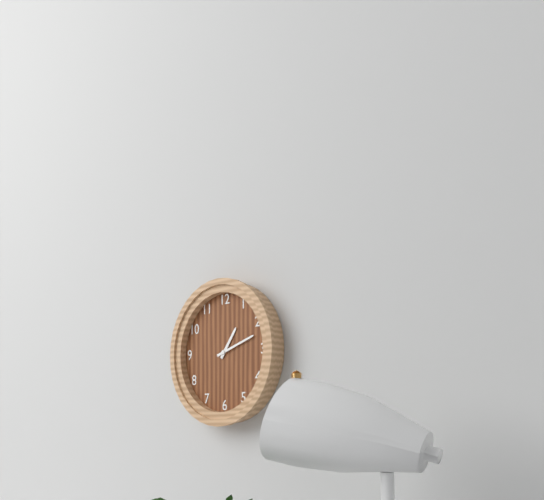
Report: {"hour": 1, "minute": 12}
